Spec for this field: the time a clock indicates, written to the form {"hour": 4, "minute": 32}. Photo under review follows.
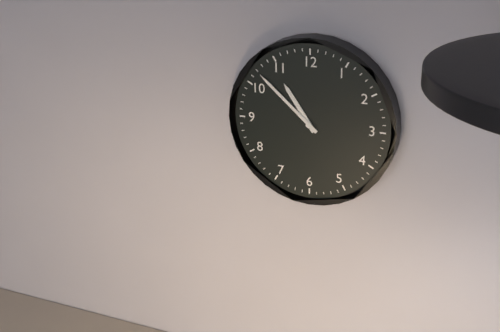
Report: {"hour": 10, "minute": 52}
